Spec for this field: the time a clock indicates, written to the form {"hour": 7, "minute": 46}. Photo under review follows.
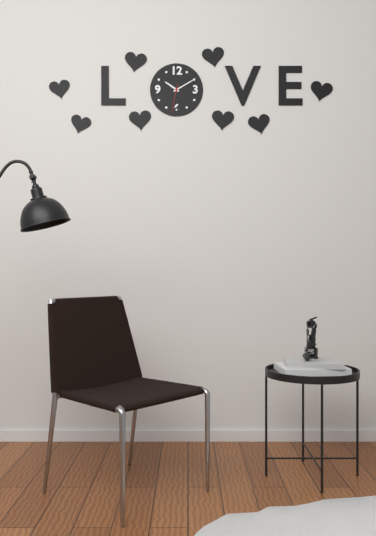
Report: {"hour": 10, "minute": 10}
